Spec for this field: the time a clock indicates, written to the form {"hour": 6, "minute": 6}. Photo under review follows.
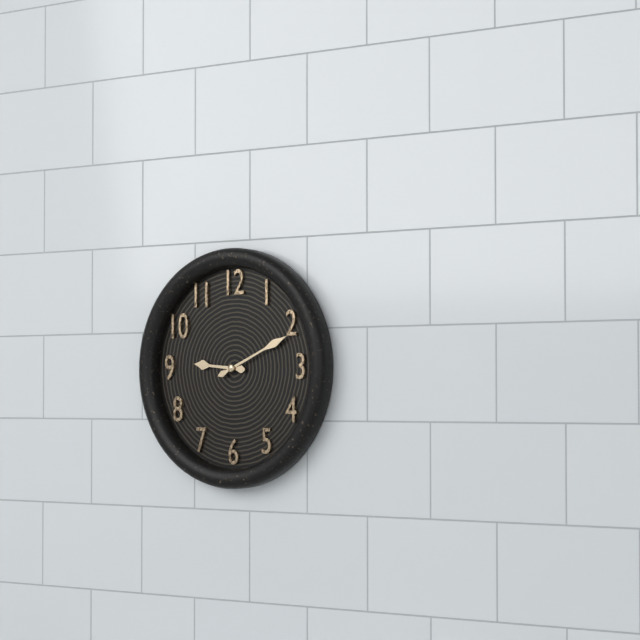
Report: {"hour": 9, "minute": 11}
